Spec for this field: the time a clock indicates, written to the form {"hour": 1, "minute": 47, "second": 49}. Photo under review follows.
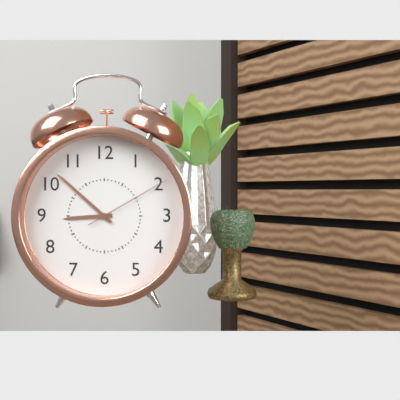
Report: {"hour": 8, "minute": 52, "second": 10}
